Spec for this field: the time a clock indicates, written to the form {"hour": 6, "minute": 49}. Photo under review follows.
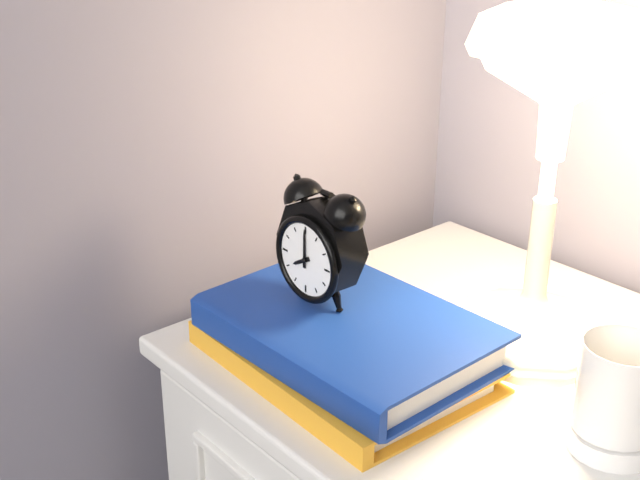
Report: {"hour": 8, "minute": 0}
